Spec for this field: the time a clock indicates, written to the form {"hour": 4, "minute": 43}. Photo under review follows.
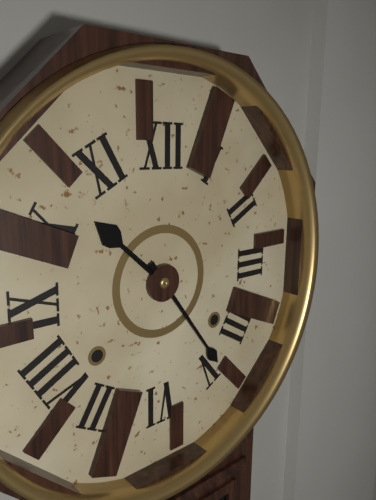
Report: {"hour": 10, "minute": 24}
